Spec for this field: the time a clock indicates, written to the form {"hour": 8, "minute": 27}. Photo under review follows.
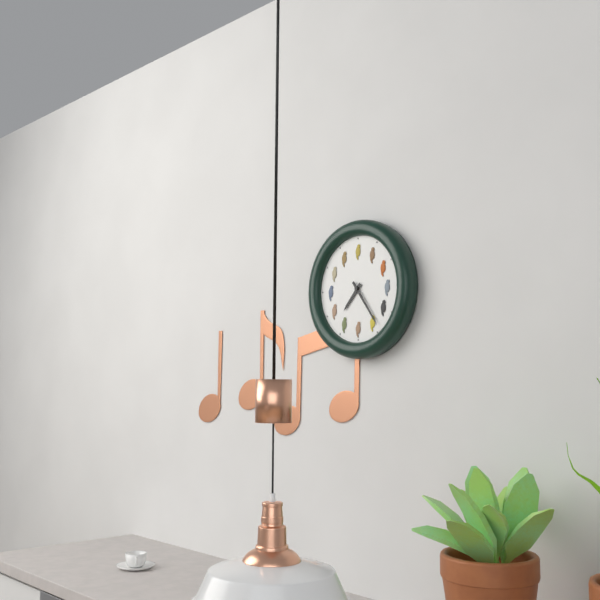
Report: {"hour": 7, "minute": 24}
